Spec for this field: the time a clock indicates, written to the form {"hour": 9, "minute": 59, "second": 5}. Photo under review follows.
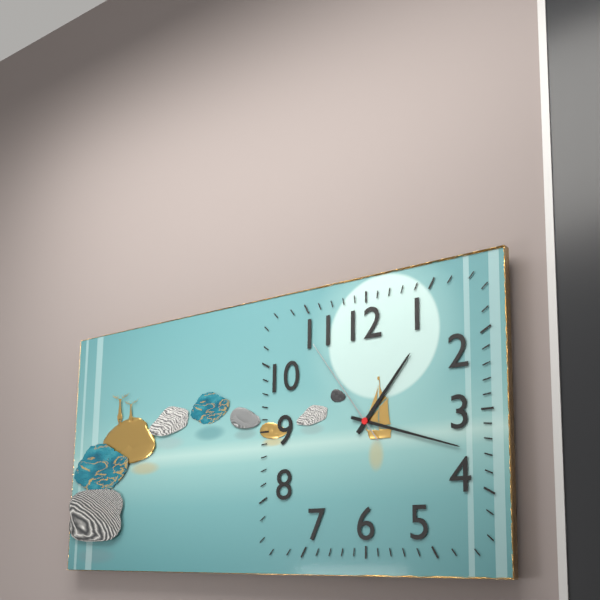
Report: {"hour": 1, "minute": 18, "second": 54}
